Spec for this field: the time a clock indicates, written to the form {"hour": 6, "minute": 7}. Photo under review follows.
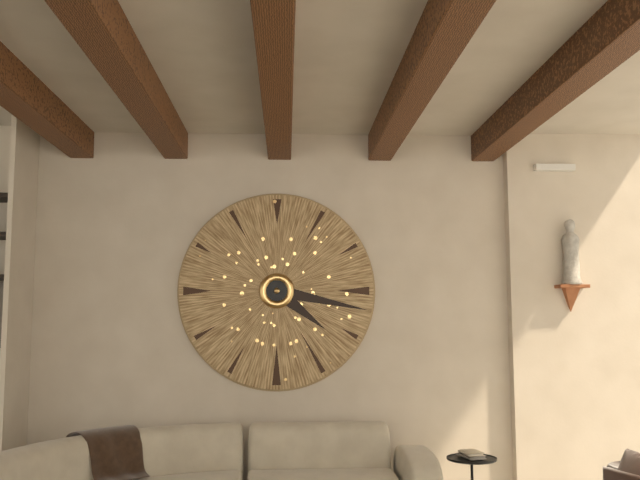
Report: {"hour": 4, "minute": 17}
